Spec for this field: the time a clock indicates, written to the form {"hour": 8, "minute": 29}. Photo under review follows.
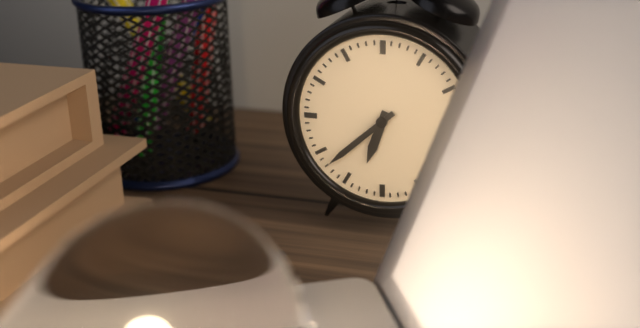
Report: {"hour": 6, "minute": 38}
